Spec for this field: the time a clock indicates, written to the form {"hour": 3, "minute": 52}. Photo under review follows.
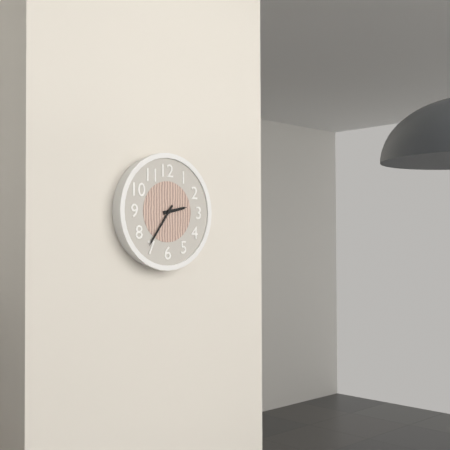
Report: {"hour": 2, "minute": 36}
